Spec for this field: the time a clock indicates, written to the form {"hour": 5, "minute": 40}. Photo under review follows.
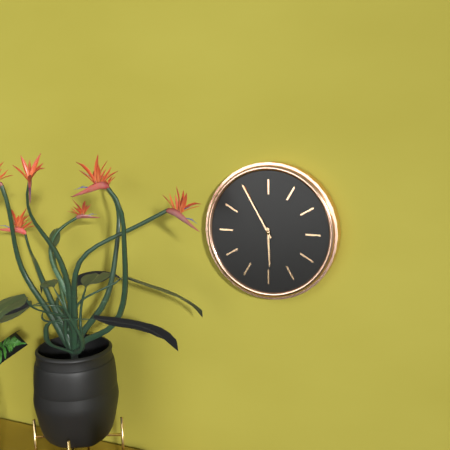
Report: {"hour": 5, "minute": 55}
